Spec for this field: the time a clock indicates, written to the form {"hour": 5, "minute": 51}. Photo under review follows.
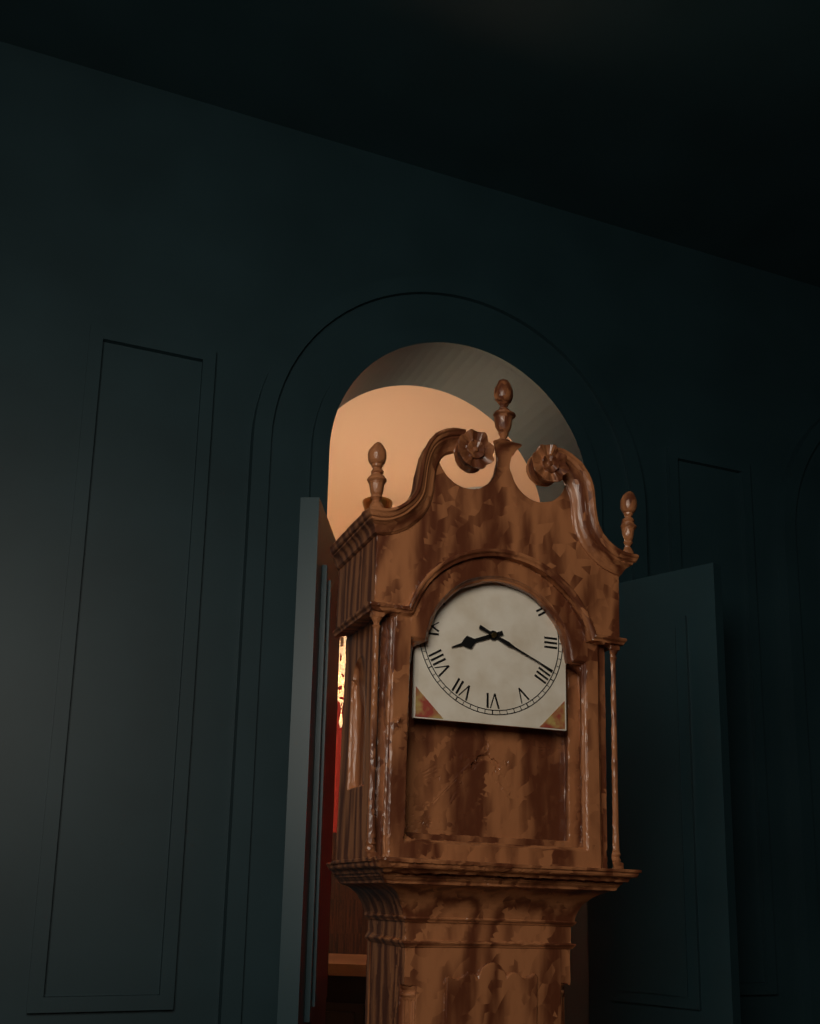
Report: {"hour": 8, "minute": 19}
